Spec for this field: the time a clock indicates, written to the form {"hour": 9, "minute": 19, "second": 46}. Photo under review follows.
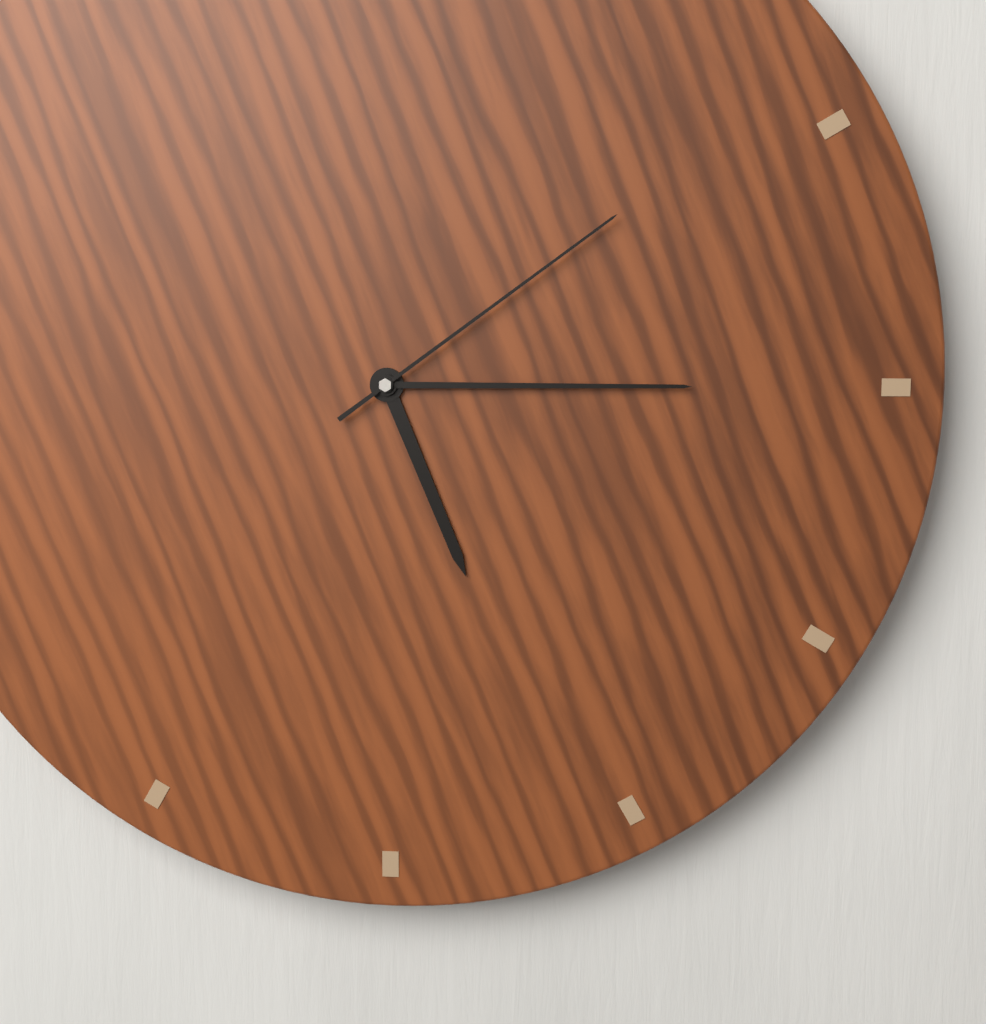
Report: {"hour": 5, "minute": 15, "second": 9}
